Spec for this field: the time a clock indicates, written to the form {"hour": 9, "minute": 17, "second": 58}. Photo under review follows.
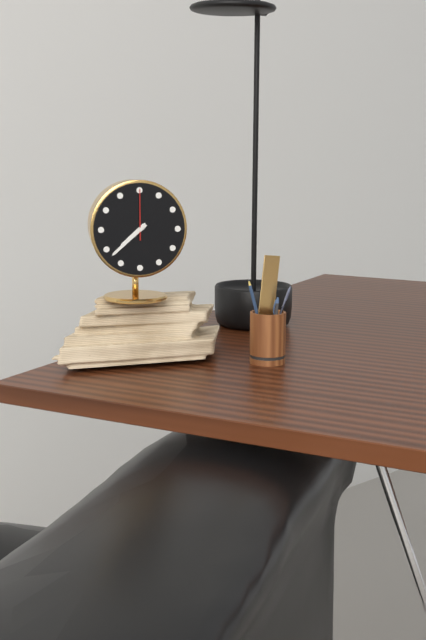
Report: {"hour": 7, "minute": 38, "second": 0}
